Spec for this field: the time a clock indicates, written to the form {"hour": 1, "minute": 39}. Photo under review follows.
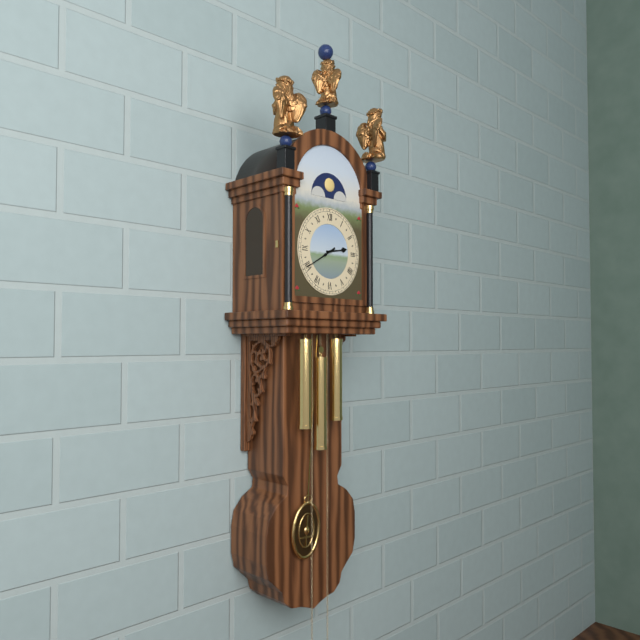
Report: {"hour": 2, "minute": 40}
